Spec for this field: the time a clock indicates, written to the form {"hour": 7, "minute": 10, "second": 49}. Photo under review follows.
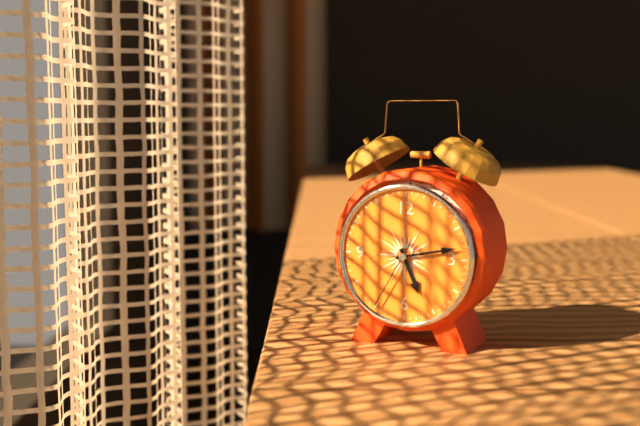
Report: {"hour": 5, "minute": 13, "second": 35}
